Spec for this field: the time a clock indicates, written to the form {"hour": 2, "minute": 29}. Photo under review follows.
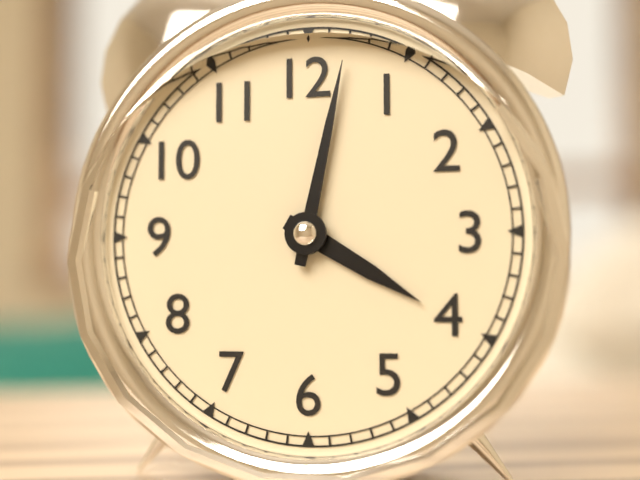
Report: {"hour": 4, "minute": 2}
